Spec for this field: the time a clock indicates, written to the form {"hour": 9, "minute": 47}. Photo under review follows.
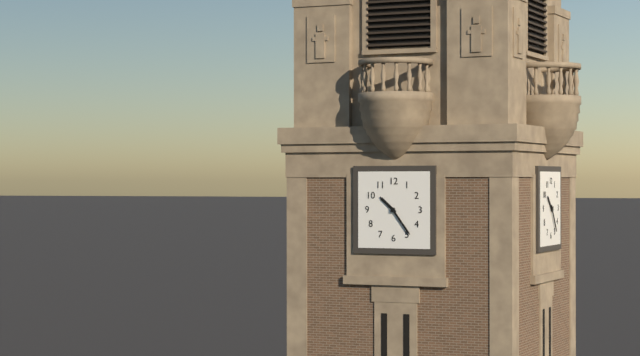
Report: {"hour": 10, "minute": 24}
